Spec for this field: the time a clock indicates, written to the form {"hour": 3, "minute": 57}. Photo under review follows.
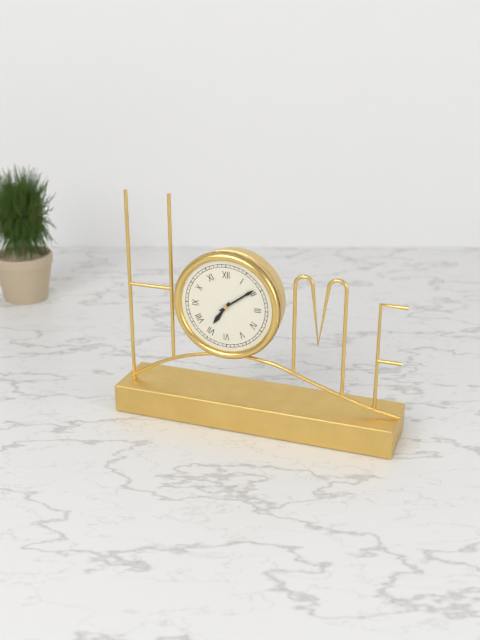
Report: {"hour": 7, "minute": 9}
